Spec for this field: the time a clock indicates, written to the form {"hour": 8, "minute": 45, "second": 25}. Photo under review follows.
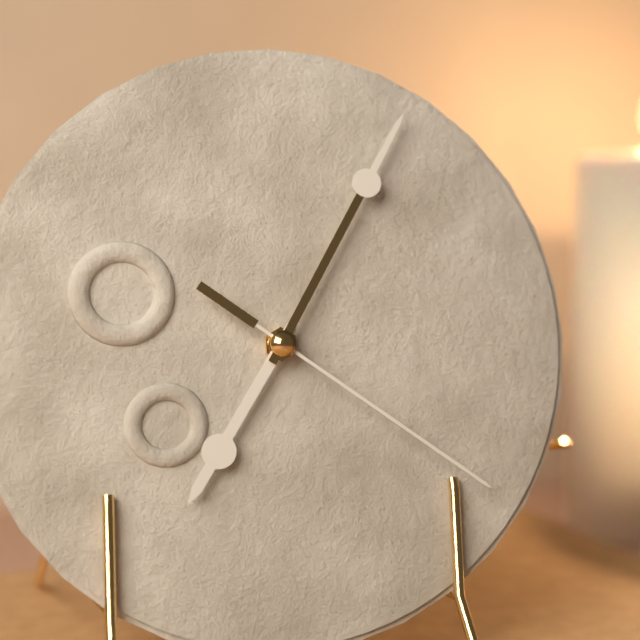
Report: {"hour": 7, "minute": 5, "second": 21}
